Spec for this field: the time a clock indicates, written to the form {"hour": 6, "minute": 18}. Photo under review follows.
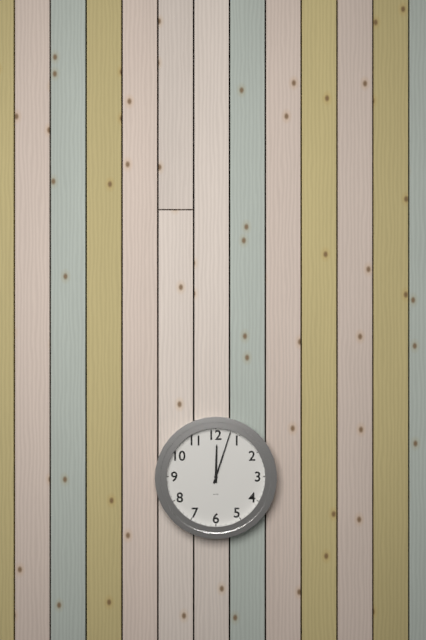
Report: {"hour": 12, "minute": 3}
